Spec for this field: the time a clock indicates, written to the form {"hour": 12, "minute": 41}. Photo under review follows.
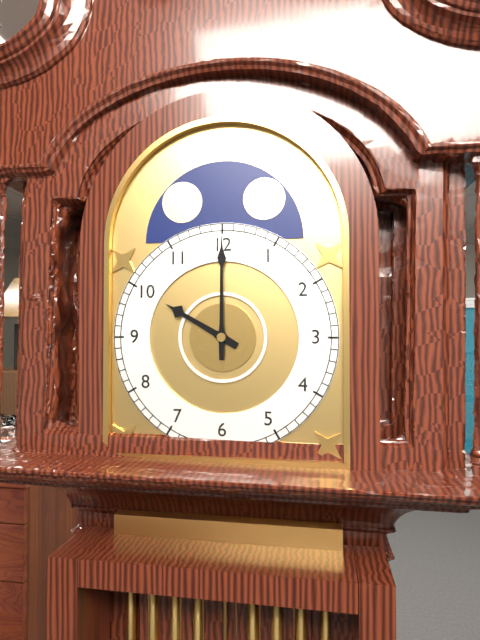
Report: {"hour": 10, "minute": 0}
